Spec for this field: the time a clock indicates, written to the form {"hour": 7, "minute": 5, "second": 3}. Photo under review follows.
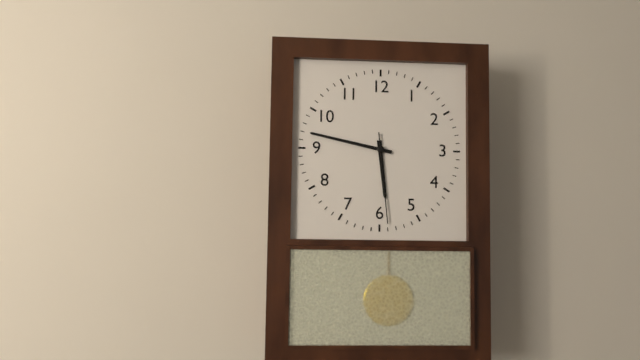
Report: {"hour": 5, "minute": 47, "second": 29}
